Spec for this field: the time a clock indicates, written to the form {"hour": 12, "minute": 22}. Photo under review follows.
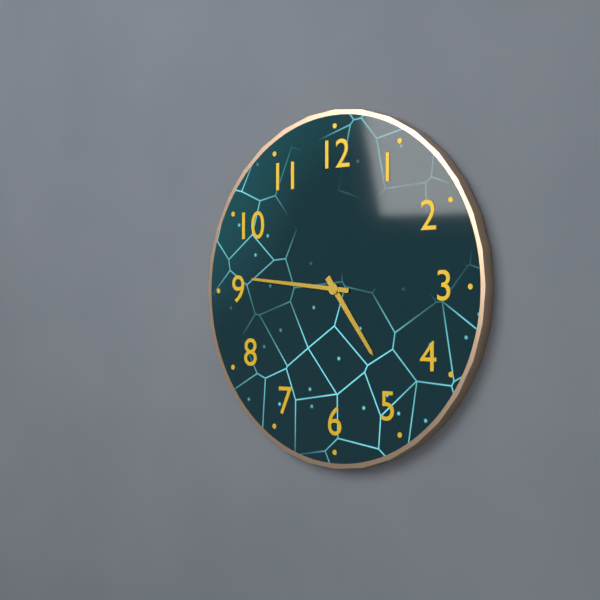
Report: {"hour": 4, "minute": 46}
